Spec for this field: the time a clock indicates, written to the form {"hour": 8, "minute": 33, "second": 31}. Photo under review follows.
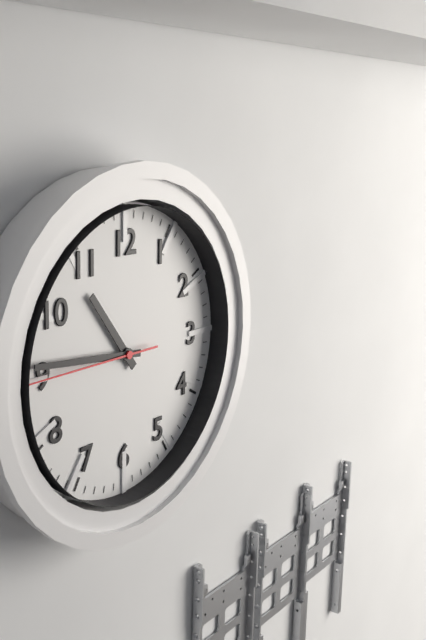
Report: {"hour": 10, "minute": 46, "second": 45}
